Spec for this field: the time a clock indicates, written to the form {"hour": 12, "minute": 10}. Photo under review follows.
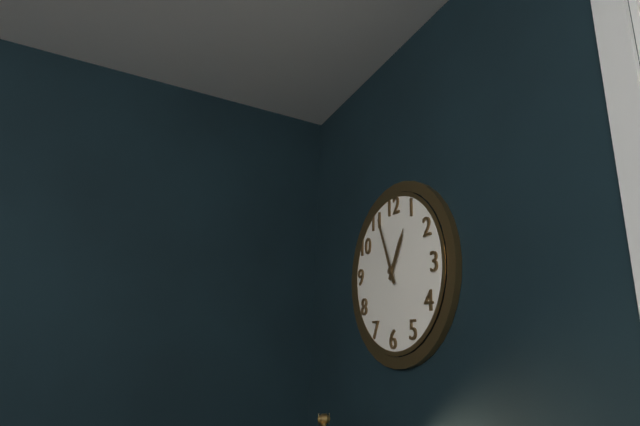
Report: {"hour": 12, "minute": 56}
